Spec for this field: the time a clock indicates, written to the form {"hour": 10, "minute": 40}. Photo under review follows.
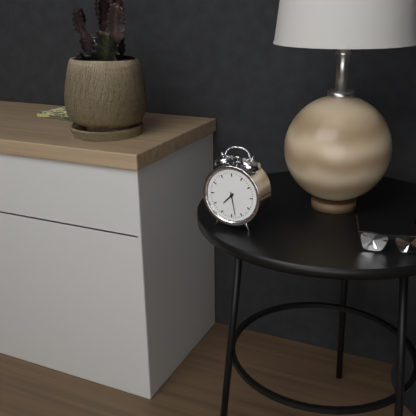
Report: {"hour": 7, "minute": 28}
